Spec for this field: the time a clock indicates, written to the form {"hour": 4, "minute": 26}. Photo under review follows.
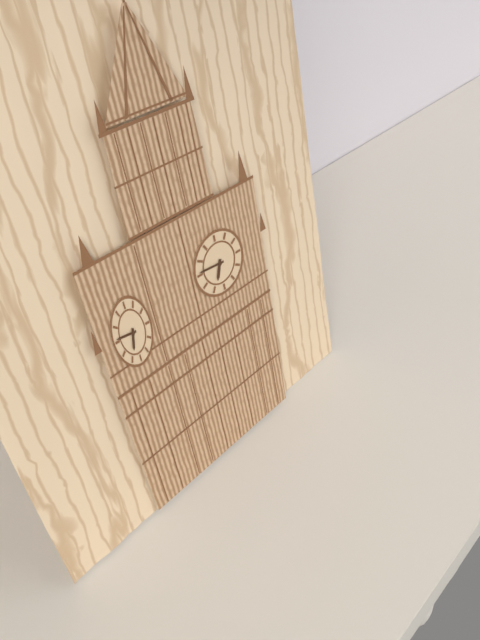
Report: {"hour": 6, "minute": 46}
